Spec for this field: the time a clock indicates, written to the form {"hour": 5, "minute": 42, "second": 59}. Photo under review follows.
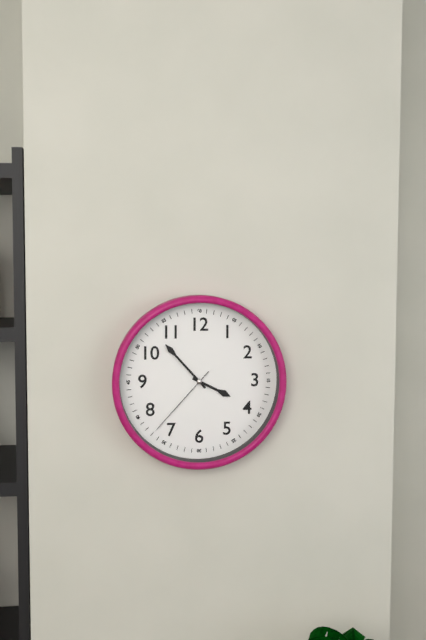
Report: {"hour": 3, "minute": 53, "second": 37}
